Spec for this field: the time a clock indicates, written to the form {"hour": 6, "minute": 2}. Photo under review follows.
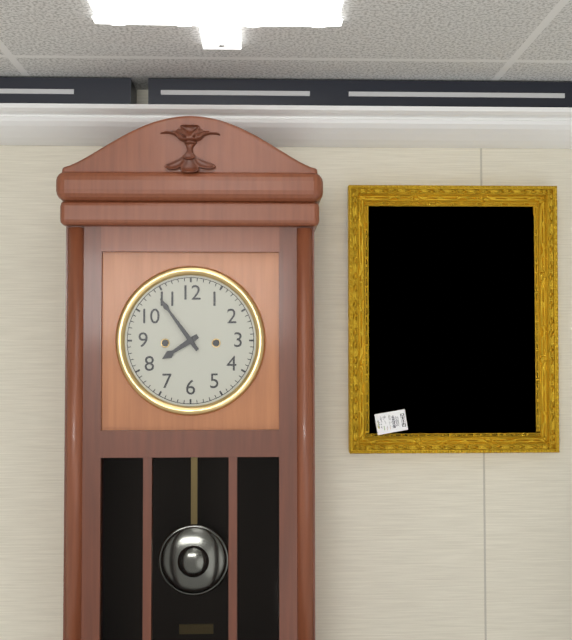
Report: {"hour": 7, "minute": 54}
